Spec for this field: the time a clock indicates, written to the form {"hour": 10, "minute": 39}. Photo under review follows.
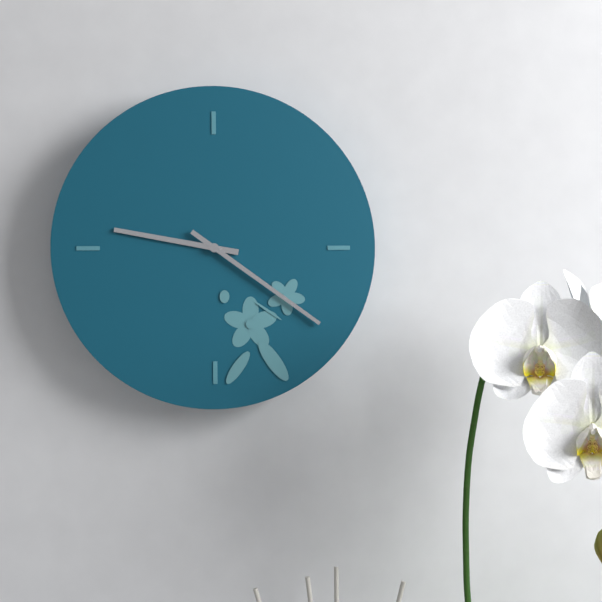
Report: {"hour": 9, "minute": 21}
